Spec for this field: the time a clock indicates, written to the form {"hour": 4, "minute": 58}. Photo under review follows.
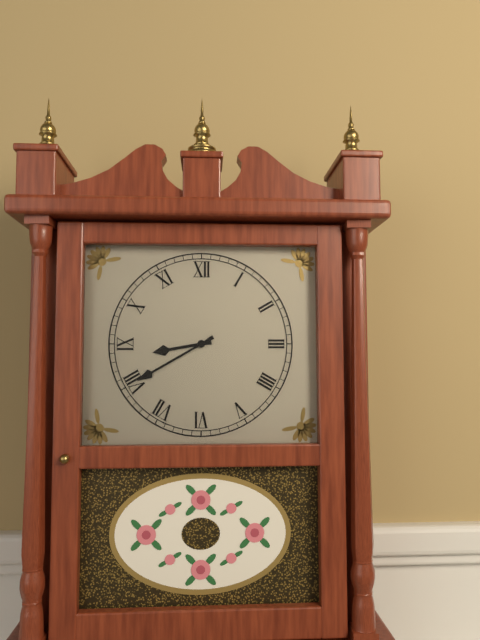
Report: {"hour": 8, "minute": 40}
